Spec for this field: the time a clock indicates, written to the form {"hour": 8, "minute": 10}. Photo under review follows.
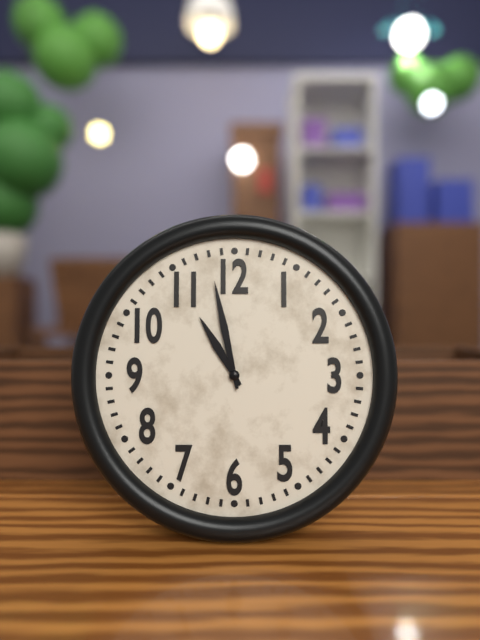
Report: {"hour": 10, "minute": 58}
